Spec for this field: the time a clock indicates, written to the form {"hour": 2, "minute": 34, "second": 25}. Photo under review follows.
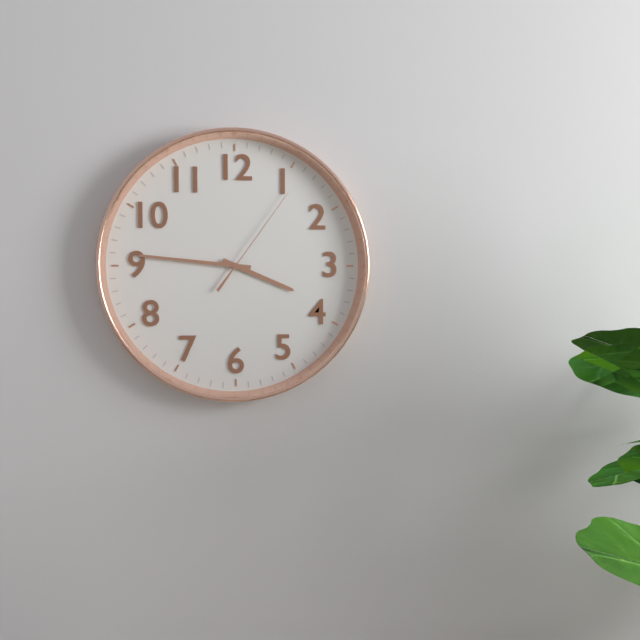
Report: {"hour": 3, "minute": 46, "second": 6}
